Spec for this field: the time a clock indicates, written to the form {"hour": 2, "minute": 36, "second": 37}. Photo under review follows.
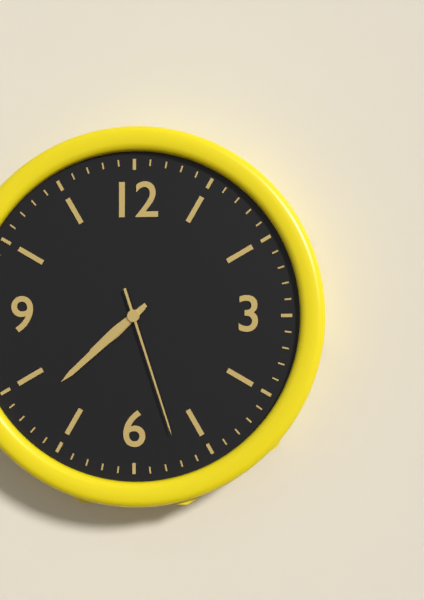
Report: {"hour": 7, "minute": 38, "second": 27}
